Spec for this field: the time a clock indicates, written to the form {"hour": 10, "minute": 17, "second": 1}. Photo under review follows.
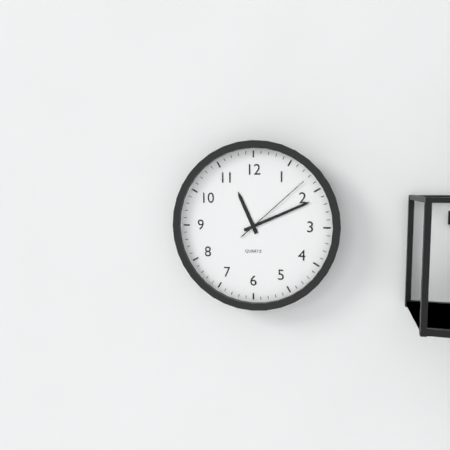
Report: {"hour": 11, "minute": 11, "second": 8}
